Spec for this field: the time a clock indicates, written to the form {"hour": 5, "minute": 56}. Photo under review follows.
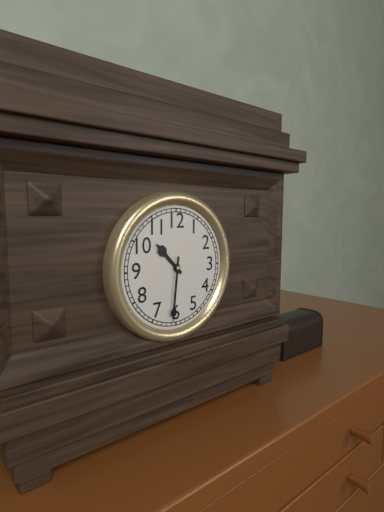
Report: {"hour": 10, "minute": 31}
